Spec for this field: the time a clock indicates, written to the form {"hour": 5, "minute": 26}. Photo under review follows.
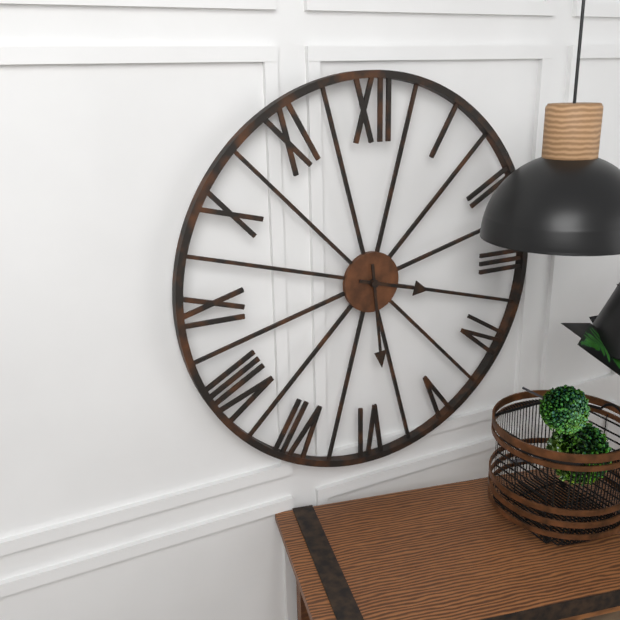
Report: {"hour": 3, "minute": 29}
